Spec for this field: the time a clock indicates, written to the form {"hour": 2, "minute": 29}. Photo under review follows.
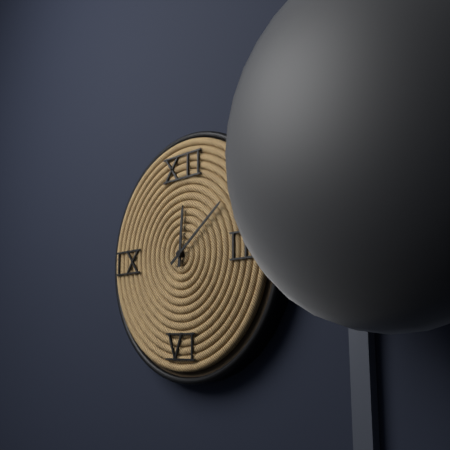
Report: {"hour": 12, "minute": 9}
